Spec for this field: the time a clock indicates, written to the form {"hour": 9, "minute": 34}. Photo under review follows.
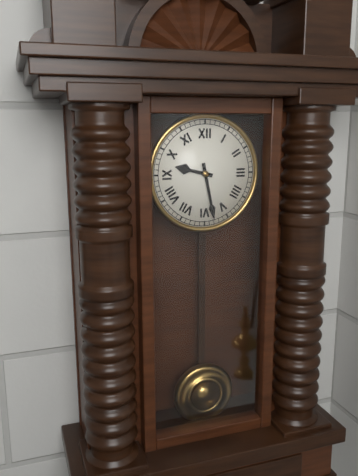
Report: {"hour": 9, "minute": 28}
